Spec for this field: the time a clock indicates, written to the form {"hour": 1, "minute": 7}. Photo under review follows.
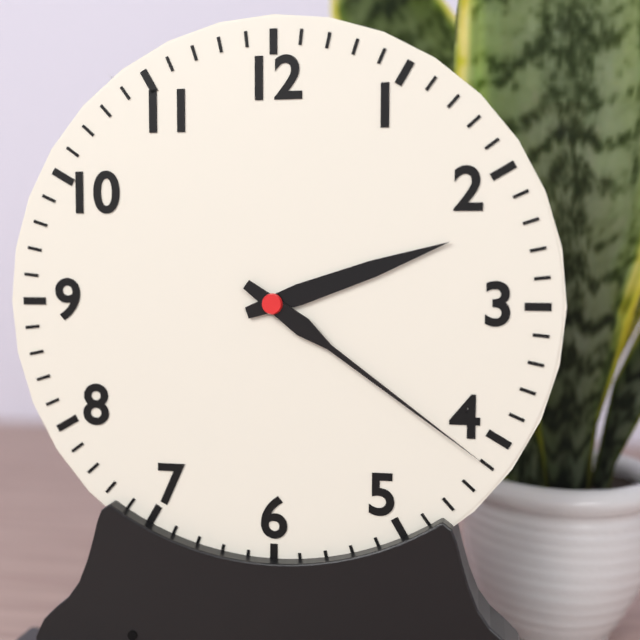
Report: {"hour": 2, "minute": 21}
